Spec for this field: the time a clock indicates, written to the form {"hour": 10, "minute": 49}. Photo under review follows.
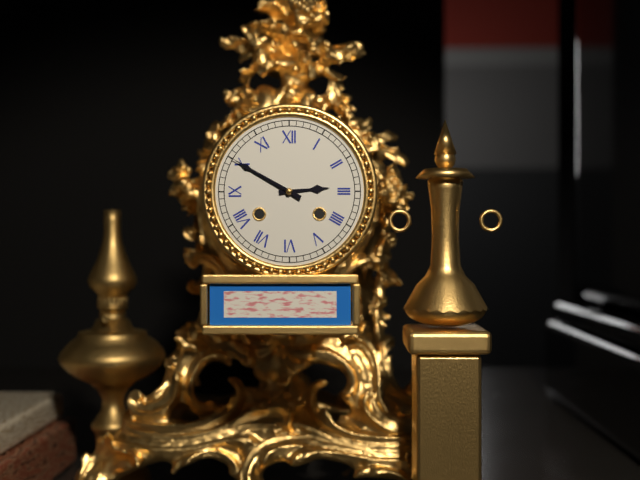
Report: {"hour": 2, "minute": 50}
